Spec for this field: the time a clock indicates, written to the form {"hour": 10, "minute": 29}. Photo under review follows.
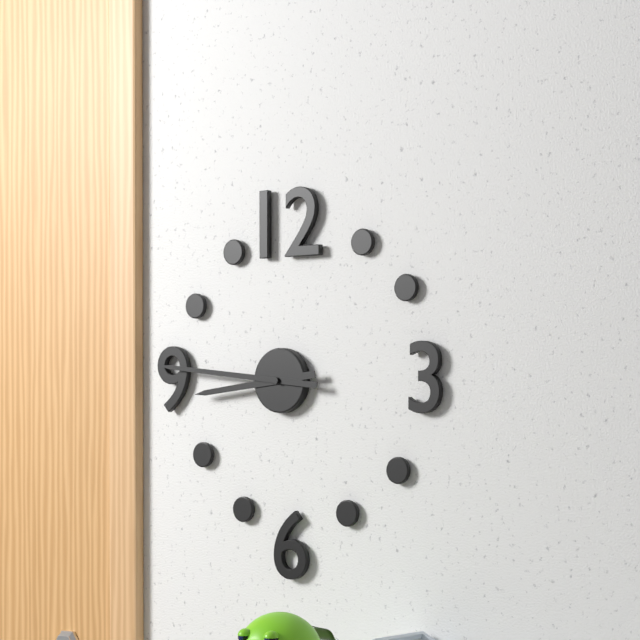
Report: {"hour": 8, "minute": 46}
